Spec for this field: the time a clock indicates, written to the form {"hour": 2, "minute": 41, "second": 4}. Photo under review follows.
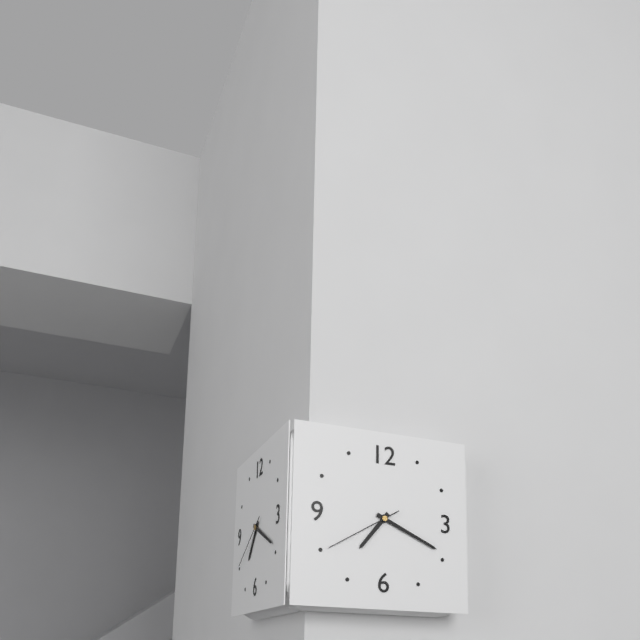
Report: {"hour": 7, "minute": 19, "second": 40}
